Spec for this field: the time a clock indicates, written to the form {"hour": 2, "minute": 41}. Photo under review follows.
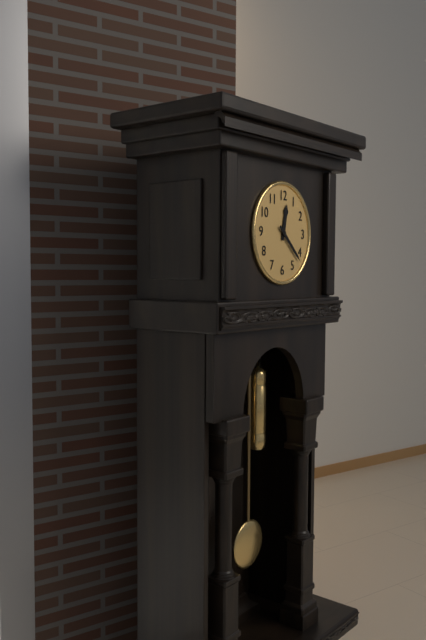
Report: {"hour": 12, "minute": 22}
